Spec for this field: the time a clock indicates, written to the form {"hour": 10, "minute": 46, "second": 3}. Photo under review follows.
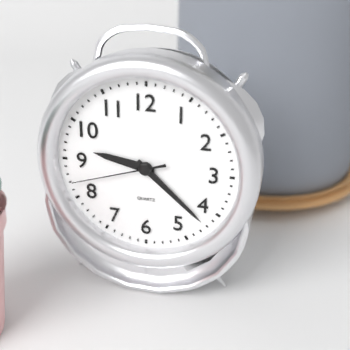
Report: {"hour": 9, "minute": 22, "second": 42}
